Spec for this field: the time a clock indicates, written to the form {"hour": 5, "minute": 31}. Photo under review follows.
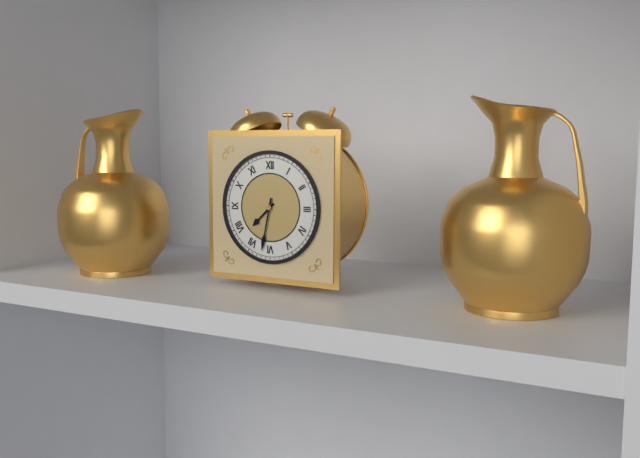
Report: {"hour": 7, "minute": 32}
